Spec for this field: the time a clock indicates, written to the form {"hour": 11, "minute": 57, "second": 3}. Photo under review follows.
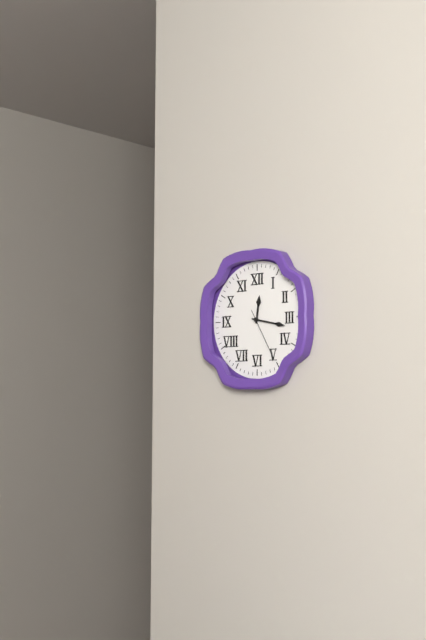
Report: {"hour": 12, "minute": 17, "second": 25}
